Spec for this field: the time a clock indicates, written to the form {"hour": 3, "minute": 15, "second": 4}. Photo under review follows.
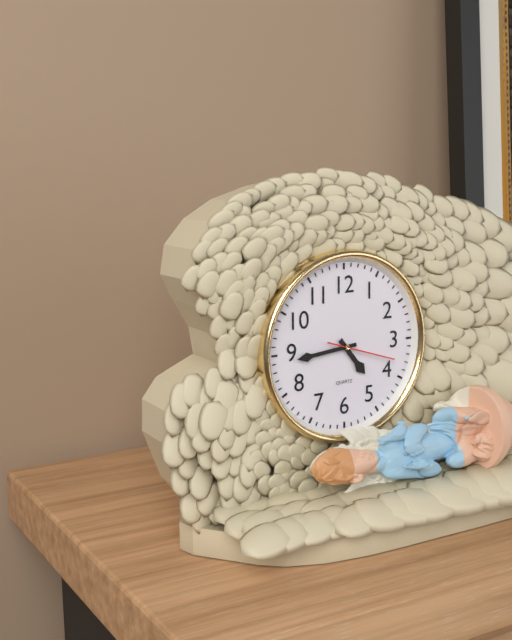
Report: {"hour": 4, "minute": 44, "second": 18}
